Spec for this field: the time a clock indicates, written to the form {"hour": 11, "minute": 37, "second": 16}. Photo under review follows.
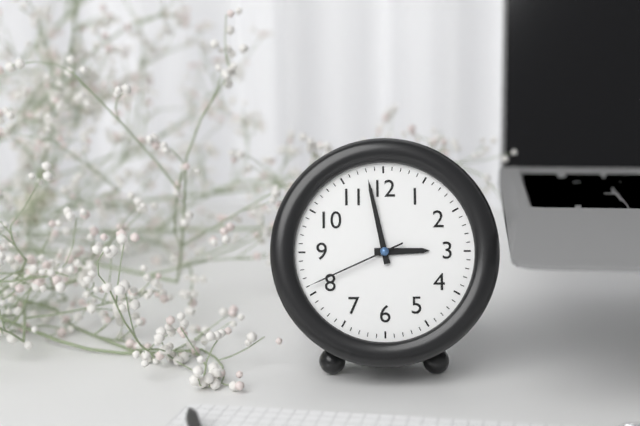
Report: {"hour": 2, "minute": 58, "second": 41}
